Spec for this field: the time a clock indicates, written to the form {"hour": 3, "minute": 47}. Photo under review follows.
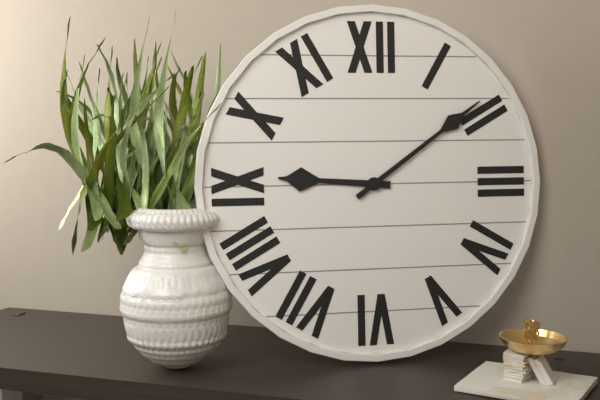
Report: {"hour": 9, "minute": 9}
